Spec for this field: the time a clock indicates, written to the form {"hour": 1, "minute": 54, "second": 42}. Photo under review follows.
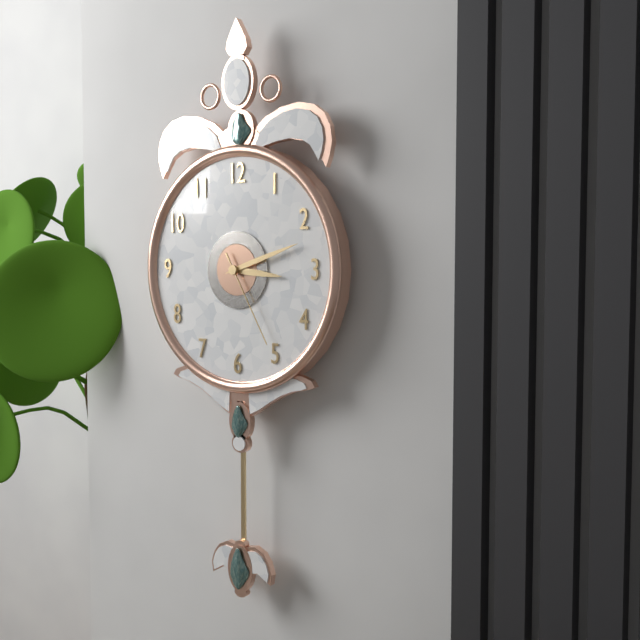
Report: {"hour": 3, "minute": 12, "second": 25}
